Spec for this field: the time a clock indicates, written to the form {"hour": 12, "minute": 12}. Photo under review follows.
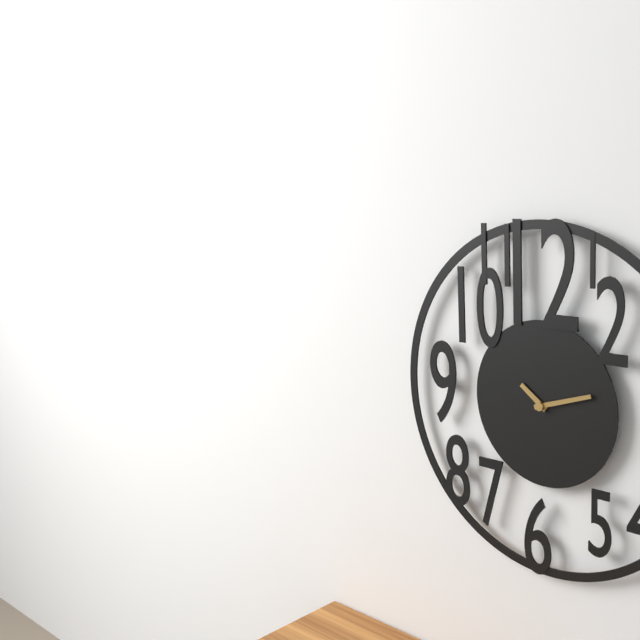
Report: {"hour": 10, "minute": 12}
